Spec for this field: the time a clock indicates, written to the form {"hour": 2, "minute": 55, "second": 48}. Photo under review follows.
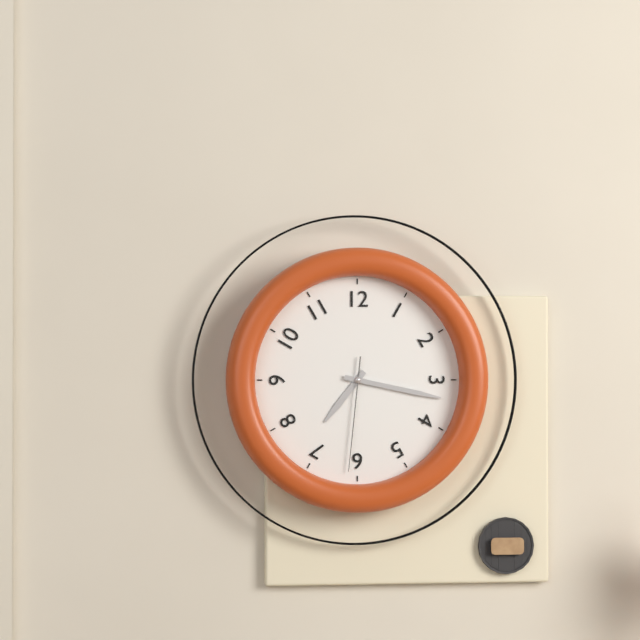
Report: {"hour": 7, "minute": 17, "second": 31}
